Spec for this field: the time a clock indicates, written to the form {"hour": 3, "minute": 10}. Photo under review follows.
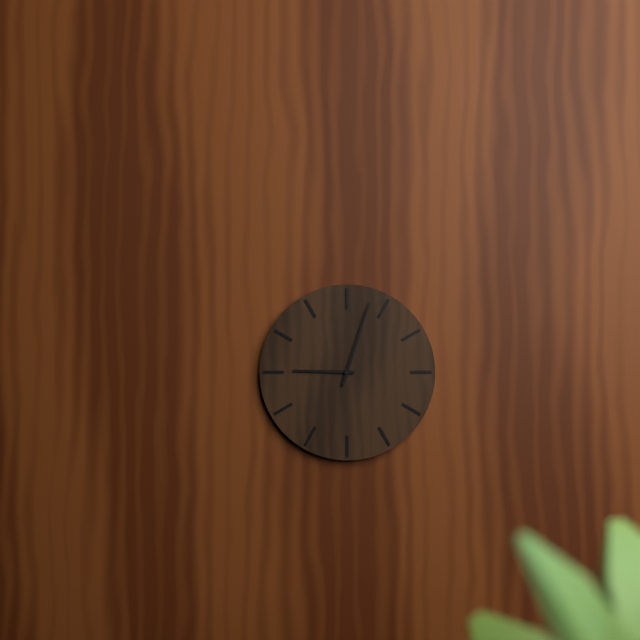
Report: {"hour": 9, "minute": 3}
